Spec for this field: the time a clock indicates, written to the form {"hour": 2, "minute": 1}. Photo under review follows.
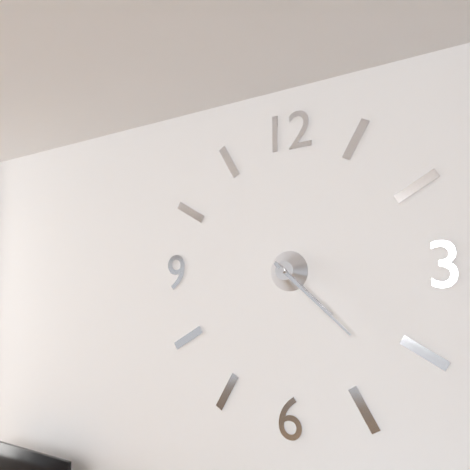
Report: {"hour": 4, "minute": 22}
